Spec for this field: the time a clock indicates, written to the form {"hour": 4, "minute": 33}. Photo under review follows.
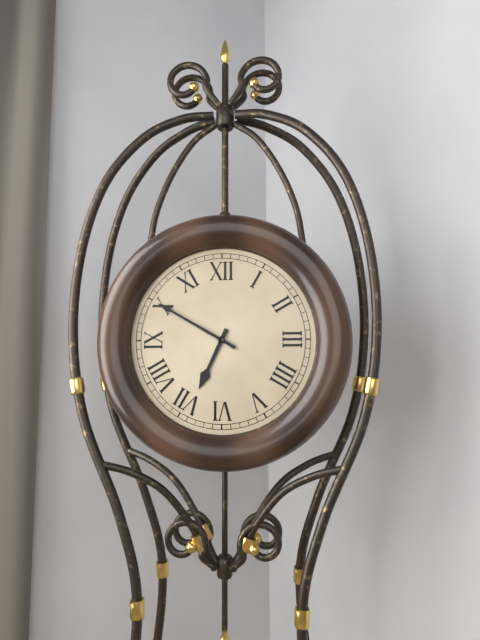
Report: {"hour": 6, "minute": 50}
